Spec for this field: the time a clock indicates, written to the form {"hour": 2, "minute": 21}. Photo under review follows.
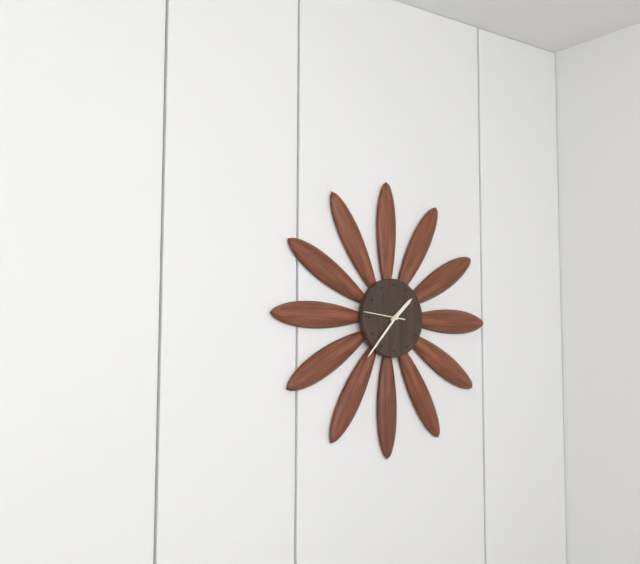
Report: {"hour": 1, "minute": 37}
